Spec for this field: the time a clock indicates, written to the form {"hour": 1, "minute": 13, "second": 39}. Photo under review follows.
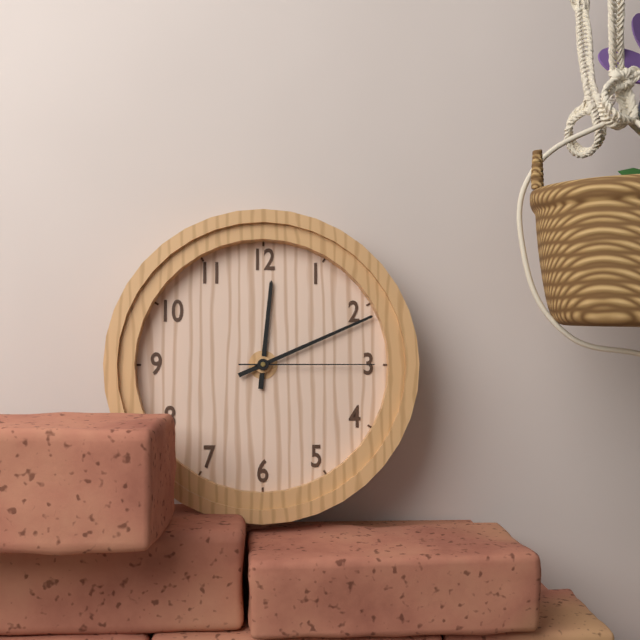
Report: {"hour": 12, "minute": 11, "second": 15}
